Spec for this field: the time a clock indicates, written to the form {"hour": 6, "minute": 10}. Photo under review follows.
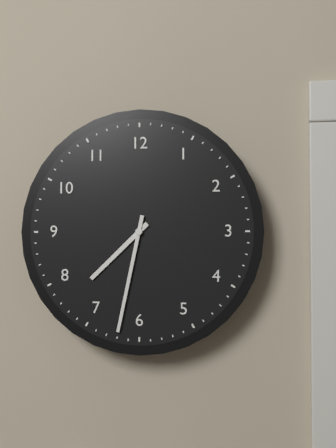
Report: {"hour": 7, "minute": 32}
